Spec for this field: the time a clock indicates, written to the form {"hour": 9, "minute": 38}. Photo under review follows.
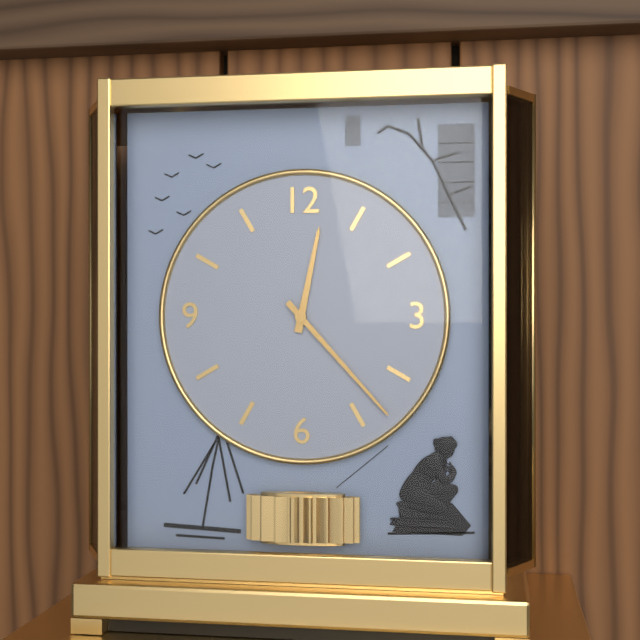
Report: {"hour": 12, "minute": 23}
